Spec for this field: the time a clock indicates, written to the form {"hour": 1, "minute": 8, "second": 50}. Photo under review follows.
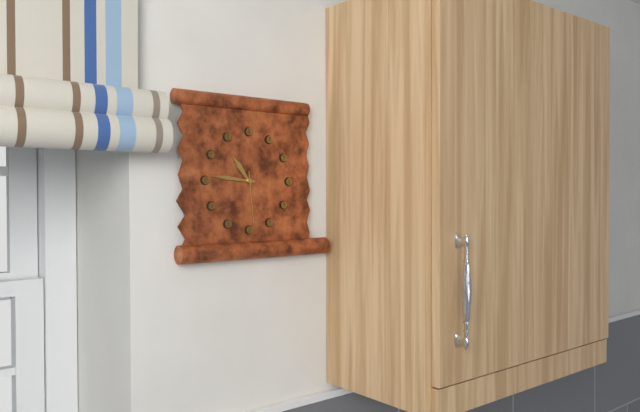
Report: {"hour": 10, "minute": 46, "second": 29}
